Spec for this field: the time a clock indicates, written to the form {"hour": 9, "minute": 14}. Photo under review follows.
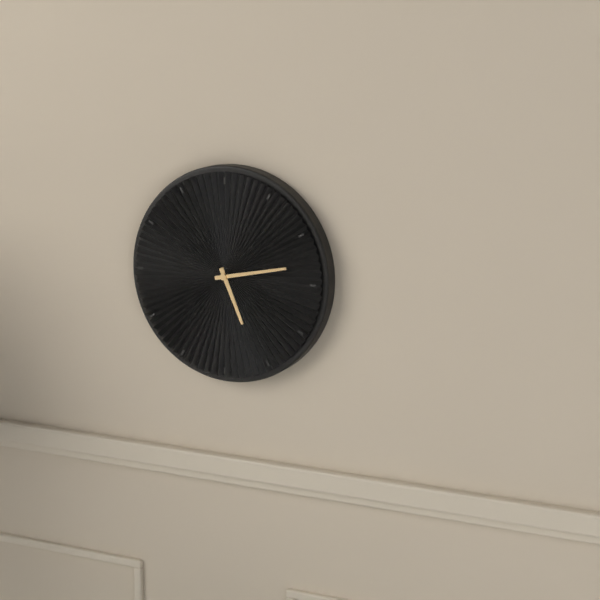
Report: {"hour": 5, "minute": 13}
